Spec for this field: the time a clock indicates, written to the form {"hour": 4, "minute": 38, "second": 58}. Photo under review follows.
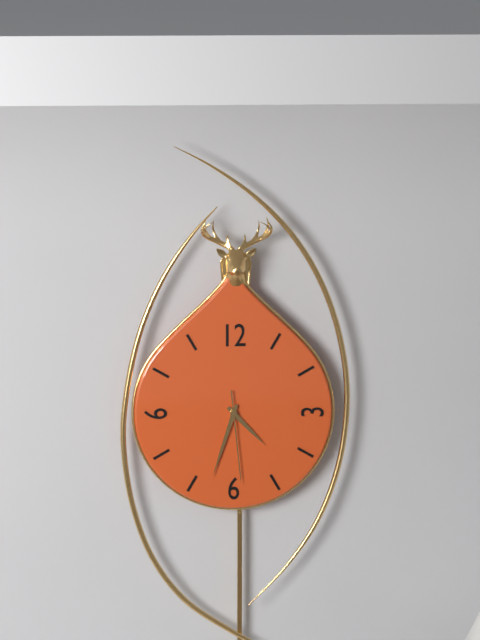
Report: {"hour": 4, "minute": 33, "second": 29}
